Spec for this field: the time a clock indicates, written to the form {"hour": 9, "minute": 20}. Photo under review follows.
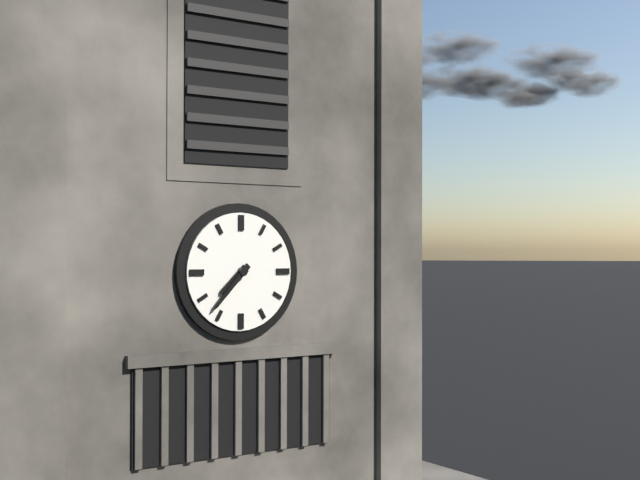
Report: {"hour": 7, "minute": 37}
